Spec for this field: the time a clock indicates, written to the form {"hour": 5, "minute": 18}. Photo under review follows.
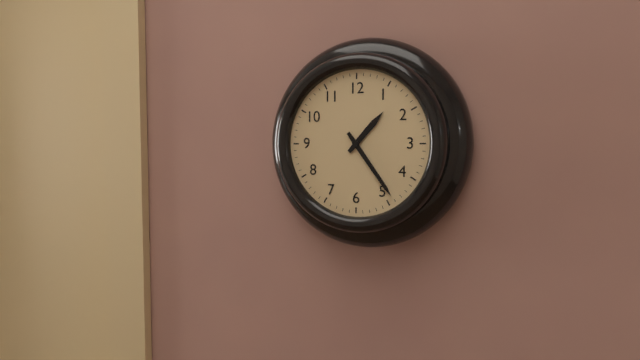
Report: {"hour": 1, "minute": 24}
